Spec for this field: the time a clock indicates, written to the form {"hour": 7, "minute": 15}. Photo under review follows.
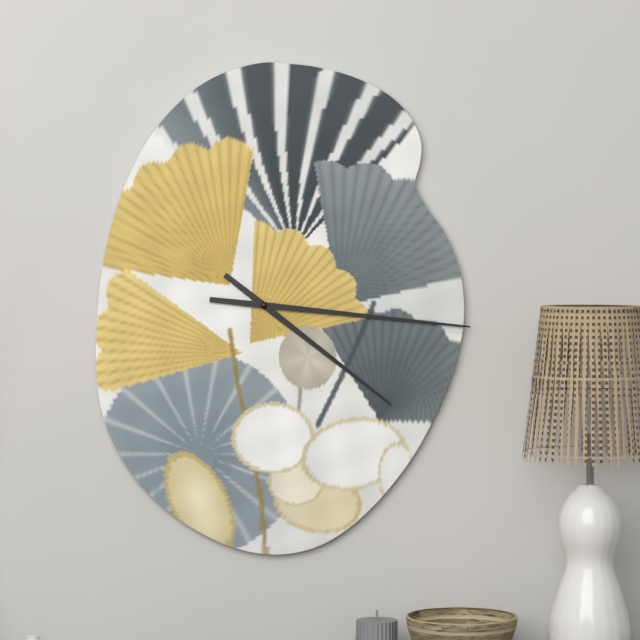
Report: {"hour": 4, "minute": 16}
